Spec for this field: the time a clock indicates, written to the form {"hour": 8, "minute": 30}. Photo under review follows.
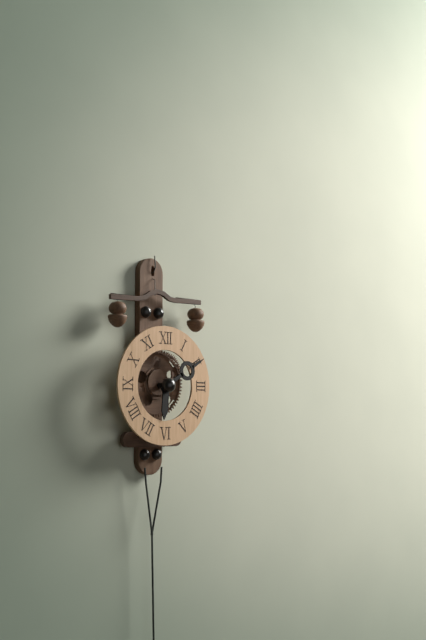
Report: {"hour": 6, "minute": 10}
